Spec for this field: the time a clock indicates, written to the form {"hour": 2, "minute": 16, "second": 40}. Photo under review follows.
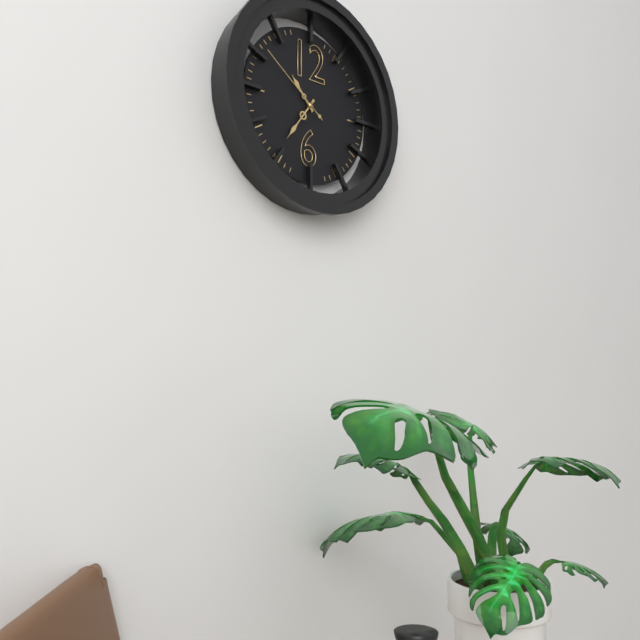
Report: {"hour": 10, "minute": 36, "second": 51}
